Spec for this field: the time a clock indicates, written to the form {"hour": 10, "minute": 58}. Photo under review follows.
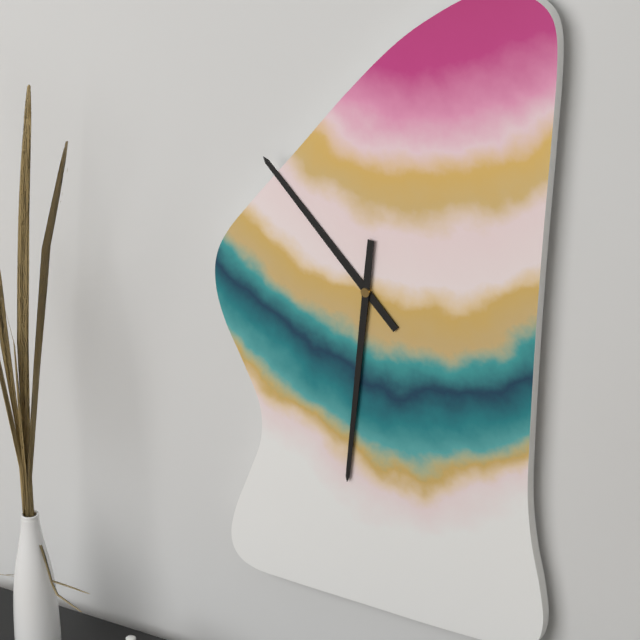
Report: {"hour": 10, "minute": 31}
